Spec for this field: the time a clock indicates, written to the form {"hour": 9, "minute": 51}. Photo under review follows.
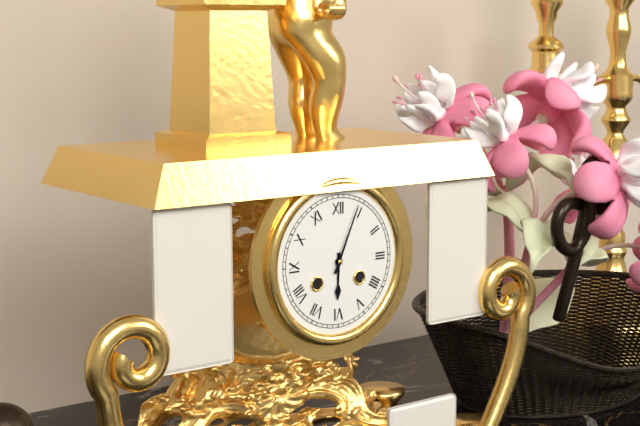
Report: {"hour": 6, "minute": 4}
